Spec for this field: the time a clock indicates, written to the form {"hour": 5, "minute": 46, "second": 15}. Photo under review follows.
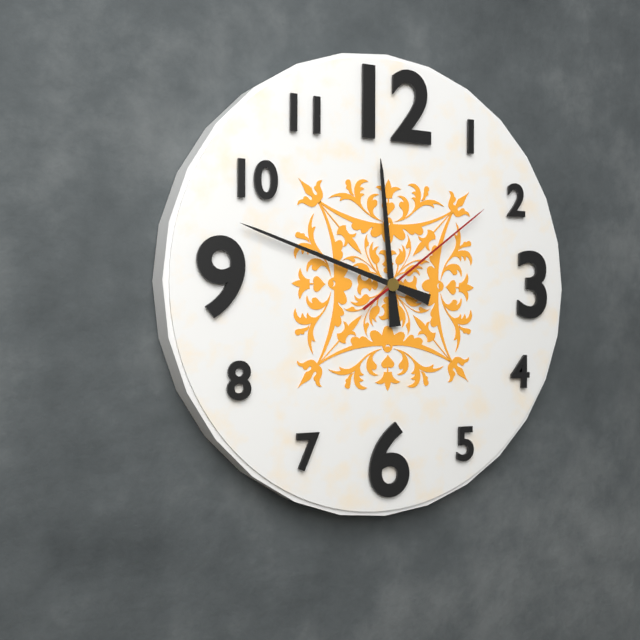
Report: {"hour": 11, "minute": 48, "second": 9}
